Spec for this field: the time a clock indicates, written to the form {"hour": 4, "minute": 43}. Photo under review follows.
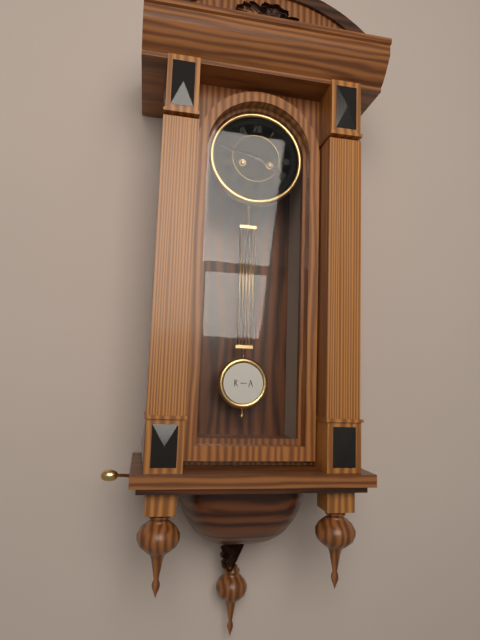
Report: {"hour": 3, "minute": 47}
